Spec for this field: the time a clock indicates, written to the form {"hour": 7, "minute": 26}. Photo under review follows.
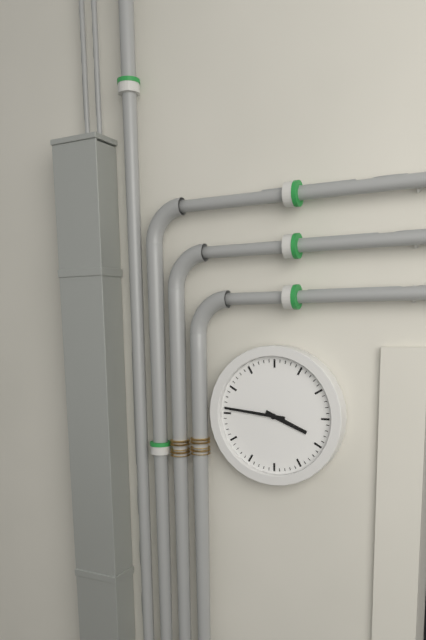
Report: {"hour": 3, "minute": 46}
